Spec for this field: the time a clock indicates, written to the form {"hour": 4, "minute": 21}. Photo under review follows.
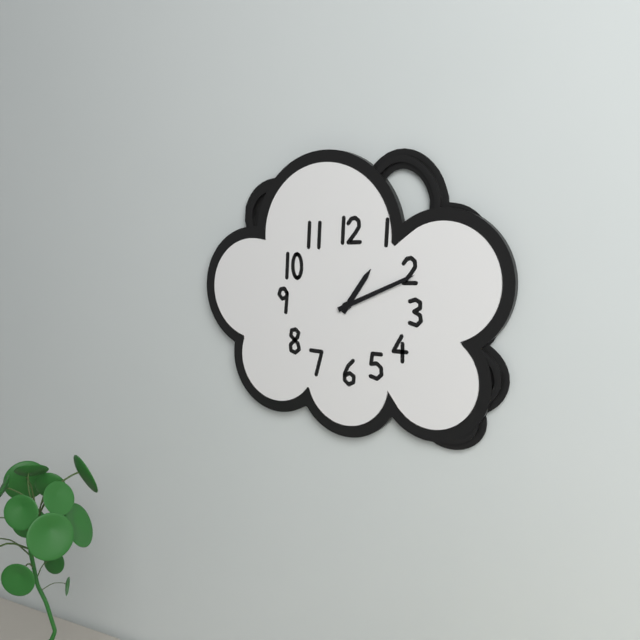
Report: {"hour": 1, "minute": 11}
